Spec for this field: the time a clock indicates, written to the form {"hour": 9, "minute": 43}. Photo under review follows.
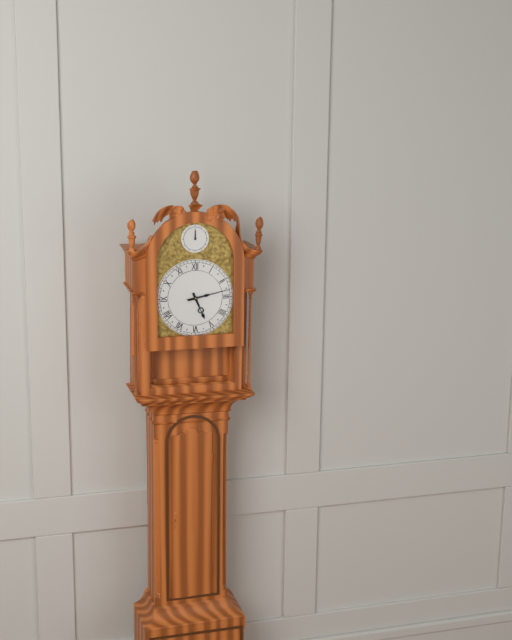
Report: {"hour": 5, "minute": 13}
